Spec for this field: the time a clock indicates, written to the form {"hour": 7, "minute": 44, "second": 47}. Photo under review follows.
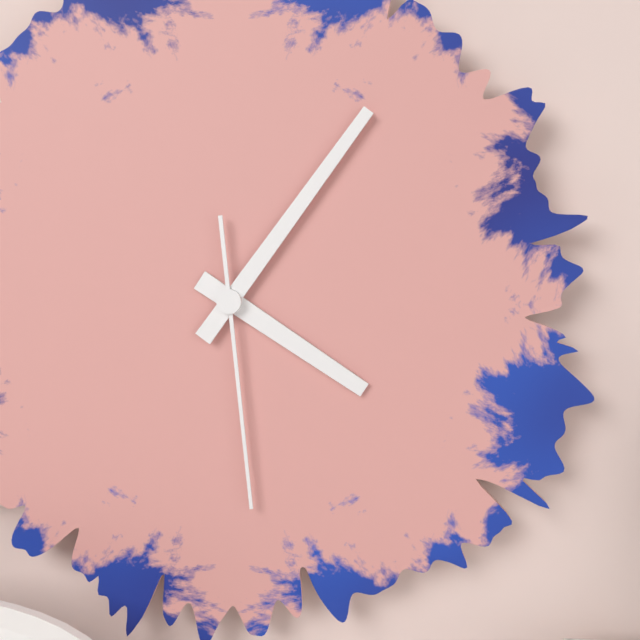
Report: {"hour": 4, "minute": 6, "second": 29}
